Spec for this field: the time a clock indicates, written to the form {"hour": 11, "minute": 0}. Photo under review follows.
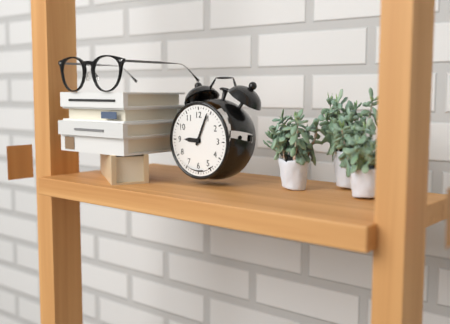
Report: {"hour": 9, "minute": 4}
